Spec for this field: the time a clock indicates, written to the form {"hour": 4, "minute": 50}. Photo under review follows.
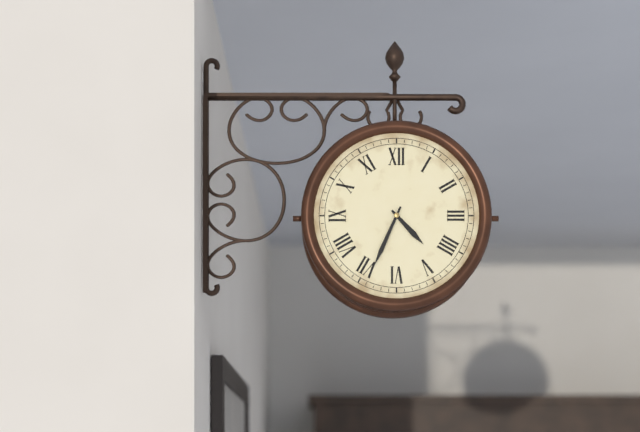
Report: {"hour": 4, "minute": 34}
